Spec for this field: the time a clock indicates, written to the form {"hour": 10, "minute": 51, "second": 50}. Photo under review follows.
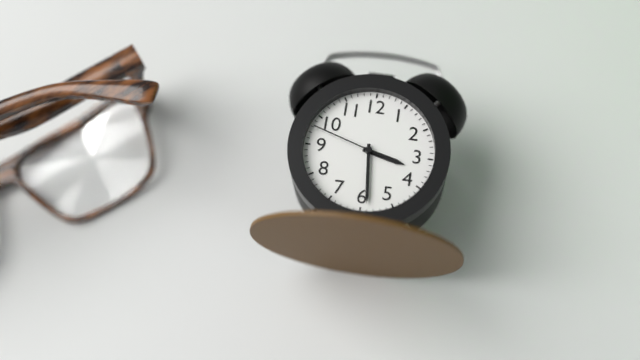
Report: {"hour": 3, "minute": 29, "second": 48}
